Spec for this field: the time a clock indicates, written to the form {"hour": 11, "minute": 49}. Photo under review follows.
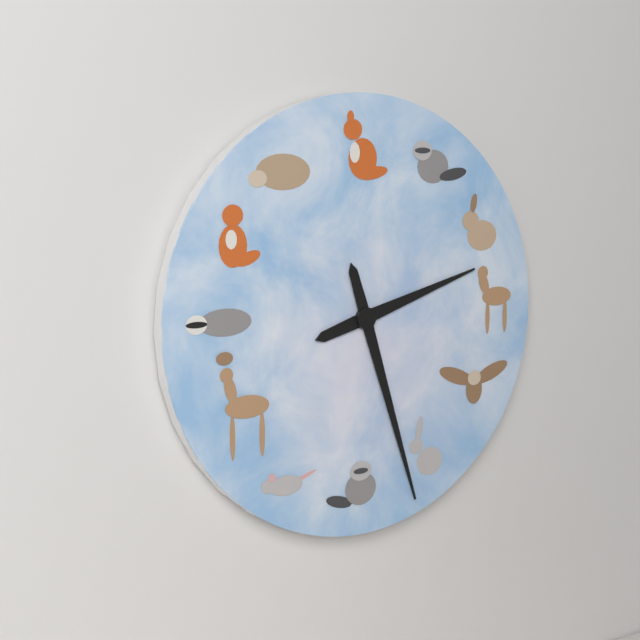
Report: {"hour": 2, "minute": 27}
